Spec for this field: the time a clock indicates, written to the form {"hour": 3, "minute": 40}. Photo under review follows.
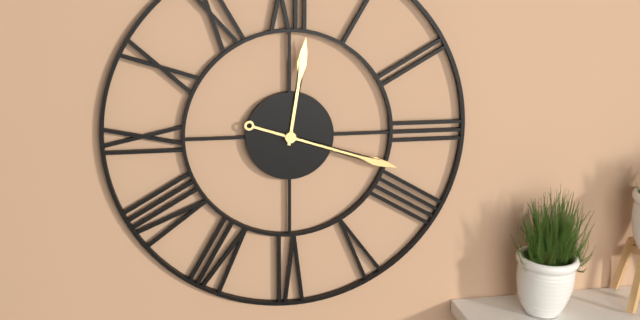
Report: {"hour": 12, "minute": 18}
